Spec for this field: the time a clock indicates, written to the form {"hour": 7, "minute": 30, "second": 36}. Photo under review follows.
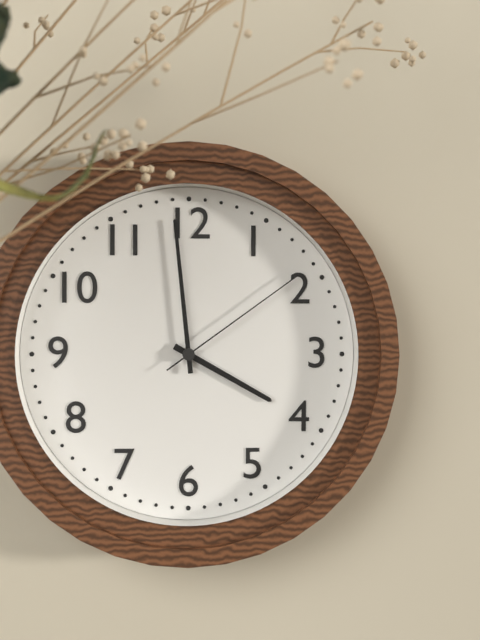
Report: {"hour": 3, "minute": 59, "second": 9}
